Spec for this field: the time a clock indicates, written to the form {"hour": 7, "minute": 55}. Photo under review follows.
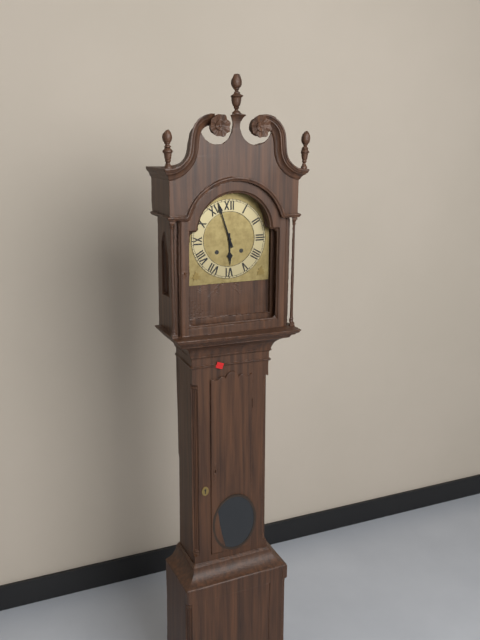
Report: {"hour": 5, "minute": 57}
